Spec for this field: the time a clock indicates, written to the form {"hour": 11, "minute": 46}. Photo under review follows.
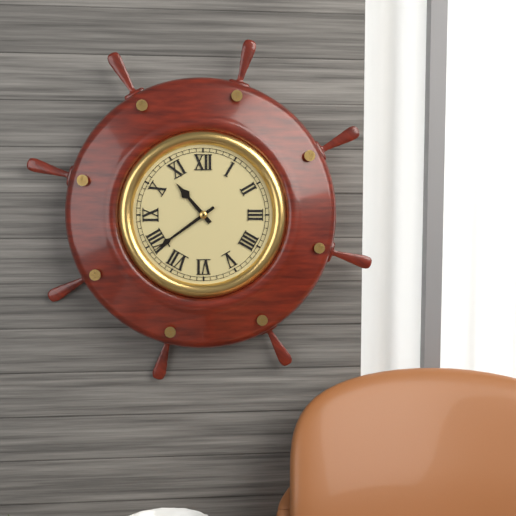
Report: {"hour": 10, "minute": 39}
